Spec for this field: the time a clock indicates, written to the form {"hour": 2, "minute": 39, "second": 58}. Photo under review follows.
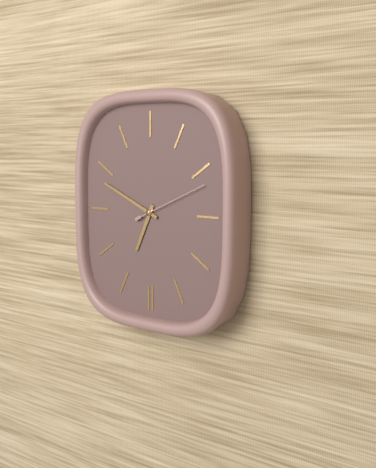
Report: {"hour": 6, "minute": 49, "second": 11}
